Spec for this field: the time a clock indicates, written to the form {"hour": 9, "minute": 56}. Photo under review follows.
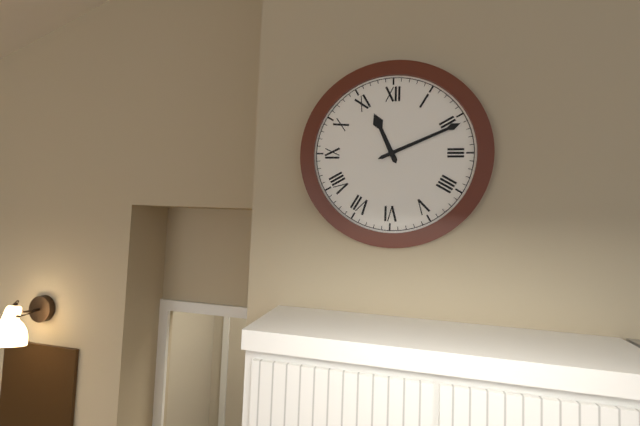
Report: {"hour": 11, "minute": 11}
